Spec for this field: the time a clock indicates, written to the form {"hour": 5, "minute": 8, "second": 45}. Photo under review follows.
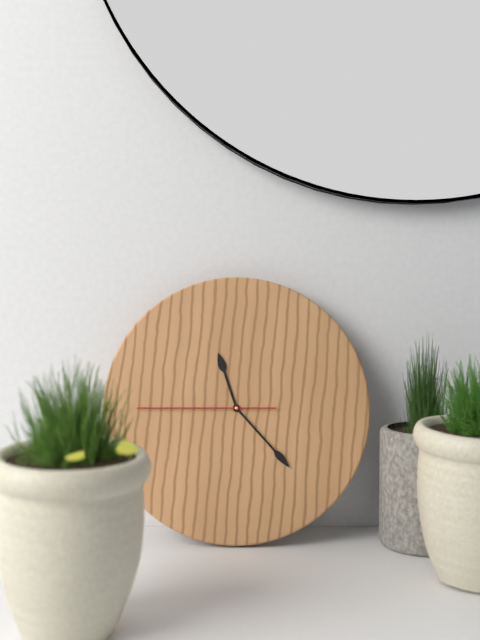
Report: {"hour": 11, "minute": 23, "second": 45}
